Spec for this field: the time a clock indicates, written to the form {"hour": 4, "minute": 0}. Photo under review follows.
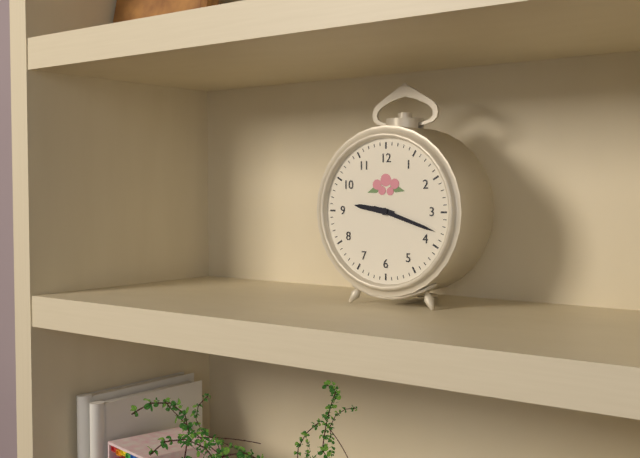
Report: {"hour": 9, "minute": 18}
